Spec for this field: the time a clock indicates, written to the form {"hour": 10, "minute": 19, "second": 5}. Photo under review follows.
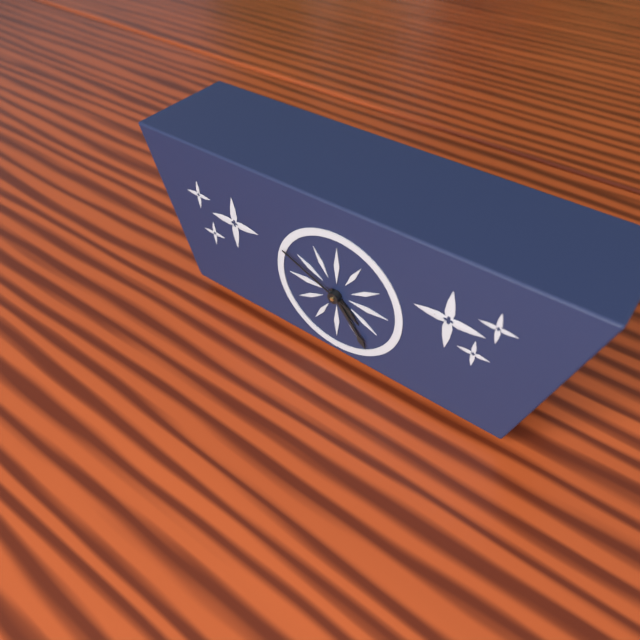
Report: {"hour": 4, "minute": 24, "second": 49}
